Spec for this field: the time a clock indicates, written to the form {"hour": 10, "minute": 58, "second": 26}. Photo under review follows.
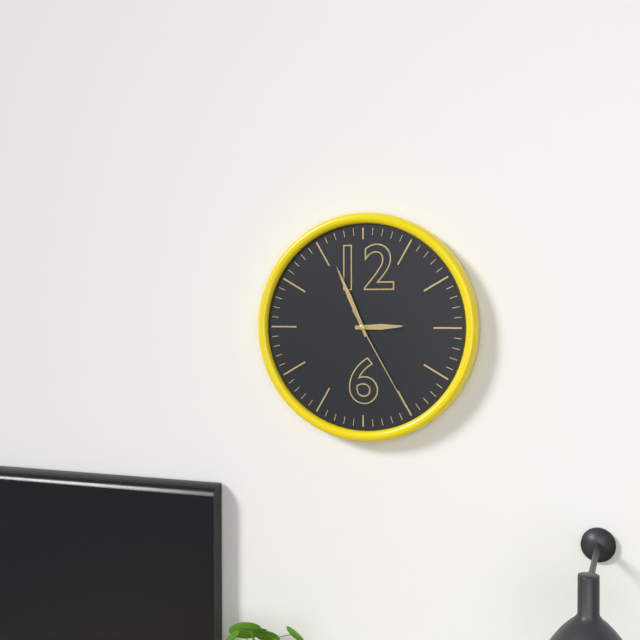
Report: {"hour": 2, "minute": 56, "second": 25}
